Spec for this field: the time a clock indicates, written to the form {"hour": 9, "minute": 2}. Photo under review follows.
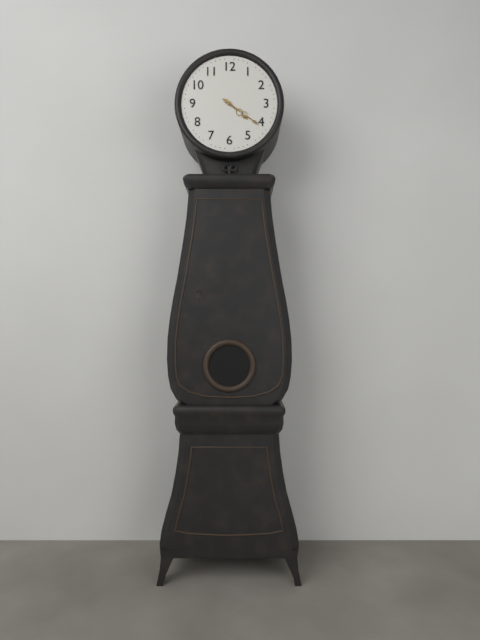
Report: {"hour": 4, "minute": 21}
